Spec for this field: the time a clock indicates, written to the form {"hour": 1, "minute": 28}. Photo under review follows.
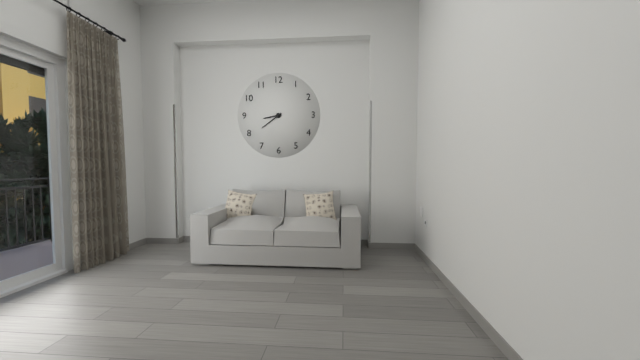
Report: {"hour": 8, "minute": 39}
